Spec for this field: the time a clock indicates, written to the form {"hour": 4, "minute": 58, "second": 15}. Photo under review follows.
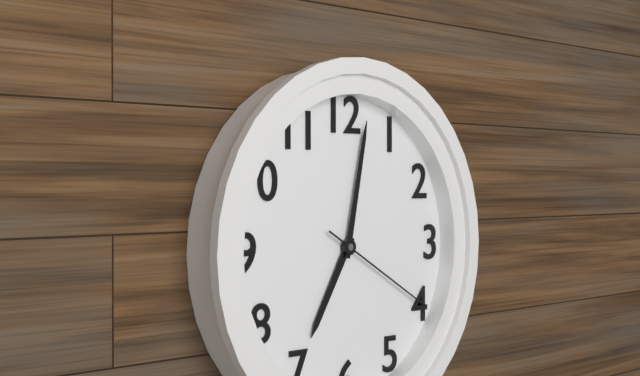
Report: {"hour": 7, "minute": 2, "second": 20}
